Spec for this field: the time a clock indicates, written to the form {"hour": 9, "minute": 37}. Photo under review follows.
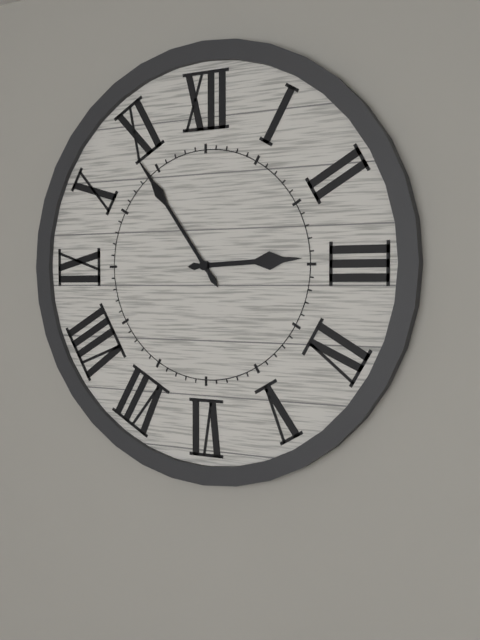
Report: {"hour": 2, "minute": 54}
